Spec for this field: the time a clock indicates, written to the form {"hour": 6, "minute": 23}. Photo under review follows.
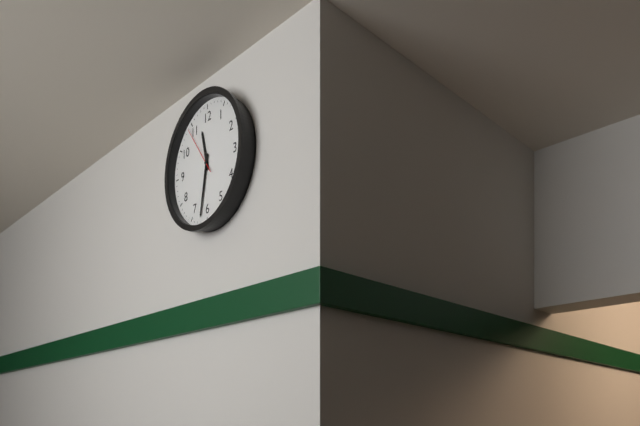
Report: {"hour": 11, "minute": 32}
